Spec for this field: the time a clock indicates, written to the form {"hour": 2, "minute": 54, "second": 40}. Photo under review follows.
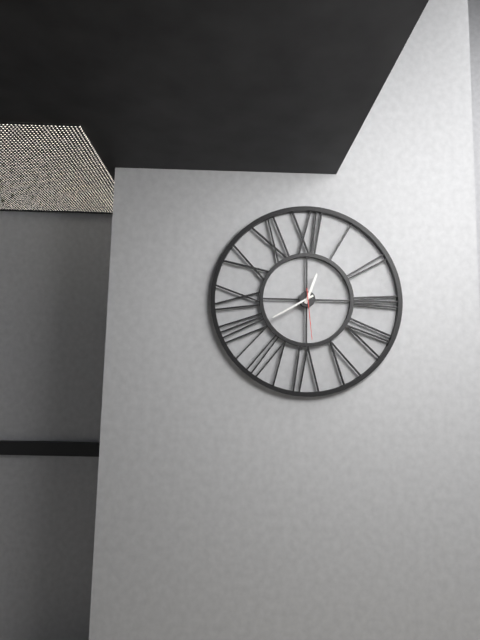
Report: {"hour": 12, "minute": 40, "second": 29}
